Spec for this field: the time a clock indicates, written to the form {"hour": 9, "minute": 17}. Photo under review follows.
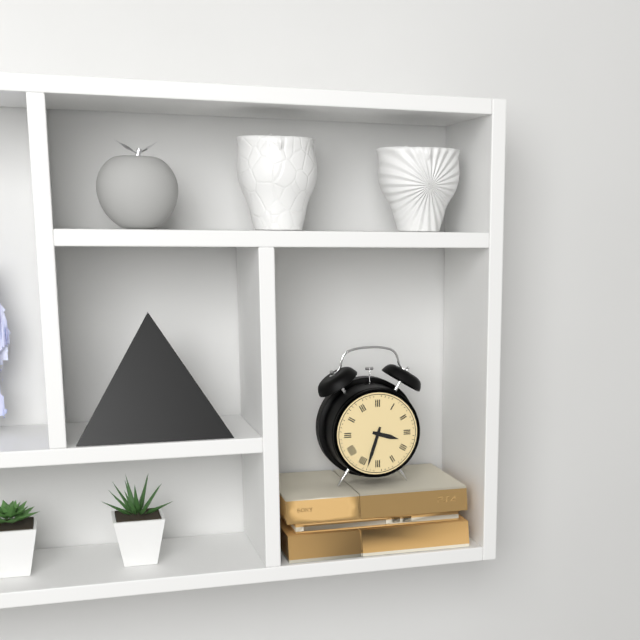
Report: {"hour": 3, "minute": 33}
